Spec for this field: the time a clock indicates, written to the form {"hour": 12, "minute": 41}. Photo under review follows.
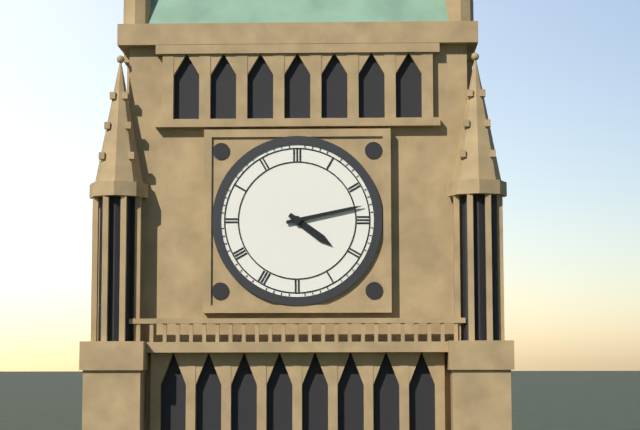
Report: {"hour": 4, "minute": 13}
